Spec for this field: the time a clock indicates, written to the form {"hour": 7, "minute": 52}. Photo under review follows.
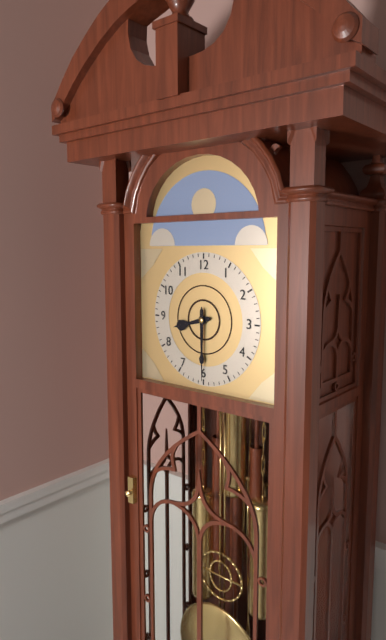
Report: {"hour": 8, "minute": 30}
